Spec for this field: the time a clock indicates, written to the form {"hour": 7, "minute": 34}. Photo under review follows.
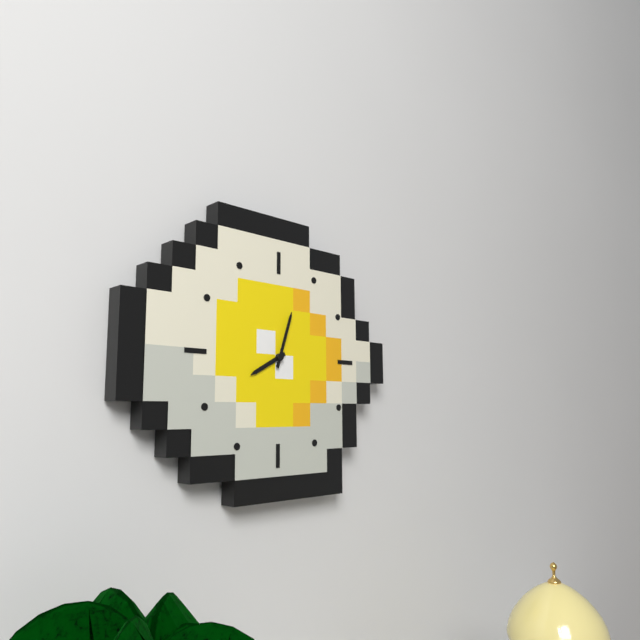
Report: {"hour": 8, "minute": 3}
